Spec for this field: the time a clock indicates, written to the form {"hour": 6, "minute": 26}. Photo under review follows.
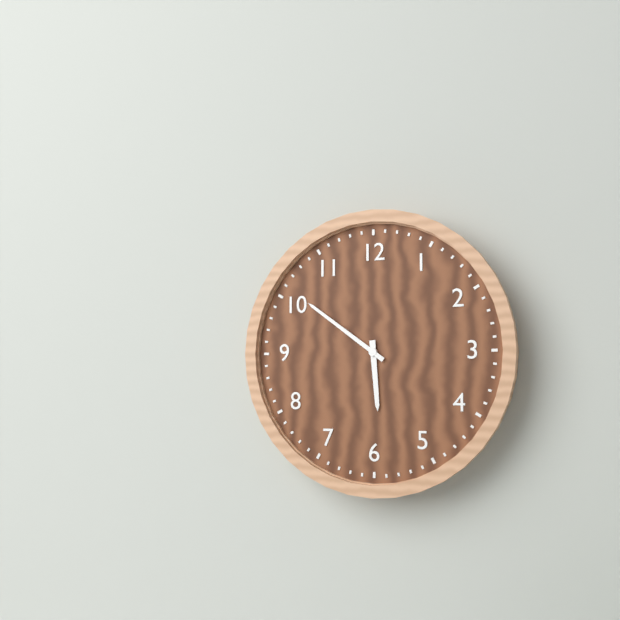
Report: {"hour": 5, "minute": 51}
